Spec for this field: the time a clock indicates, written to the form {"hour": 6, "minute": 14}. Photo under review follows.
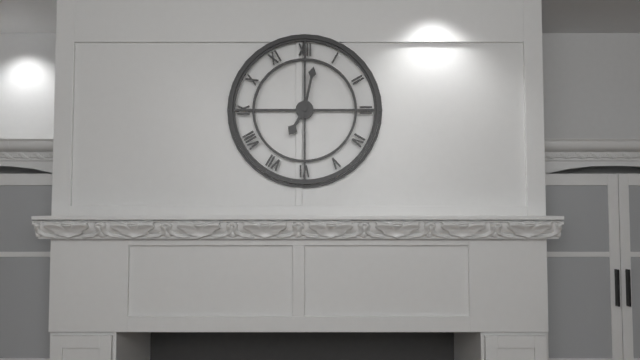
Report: {"hour": 7, "minute": 2}
